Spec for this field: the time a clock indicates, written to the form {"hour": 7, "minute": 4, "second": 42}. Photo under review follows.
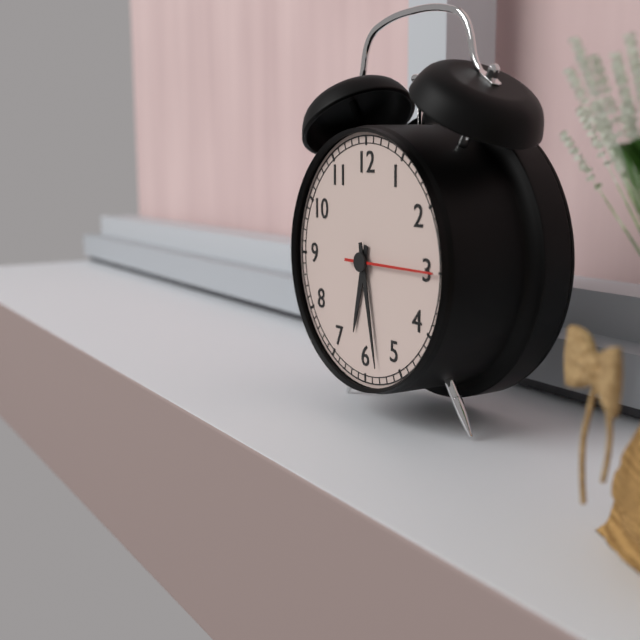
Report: {"hour": 6, "minute": 28, "second": 15}
